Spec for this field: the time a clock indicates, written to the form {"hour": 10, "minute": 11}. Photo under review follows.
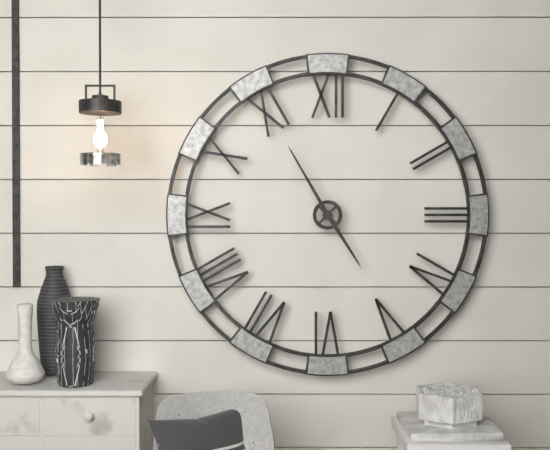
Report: {"hour": 4, "minute": 55}
